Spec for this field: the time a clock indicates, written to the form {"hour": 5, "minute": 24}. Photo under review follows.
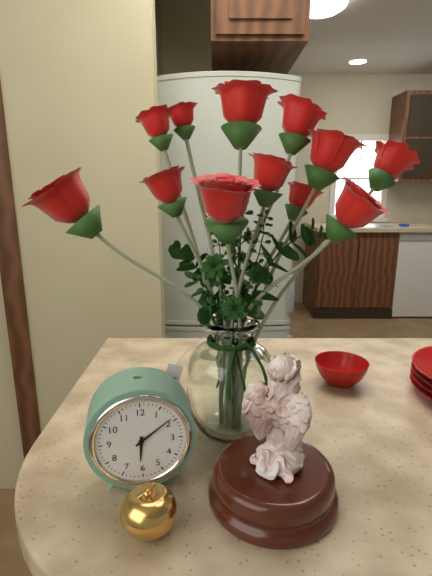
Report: {"hour": 6, "minute": 9}
